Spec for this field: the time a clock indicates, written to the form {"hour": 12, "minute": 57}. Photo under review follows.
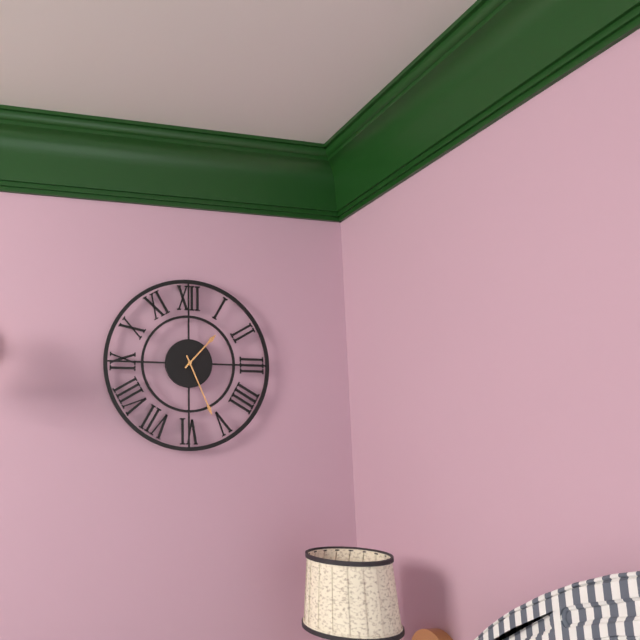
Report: {"hour": 1, "minute": 26}
